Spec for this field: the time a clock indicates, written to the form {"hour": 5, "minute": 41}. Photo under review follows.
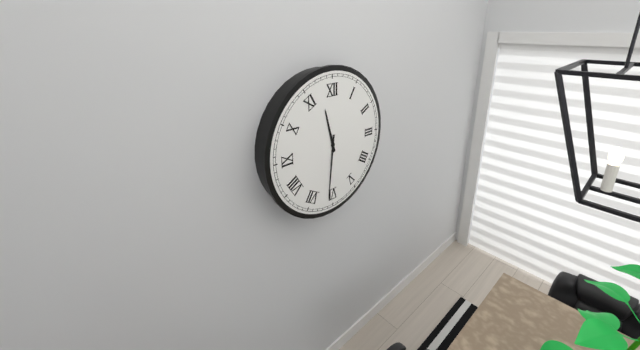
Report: {"hour": 11, "minute": 31}
